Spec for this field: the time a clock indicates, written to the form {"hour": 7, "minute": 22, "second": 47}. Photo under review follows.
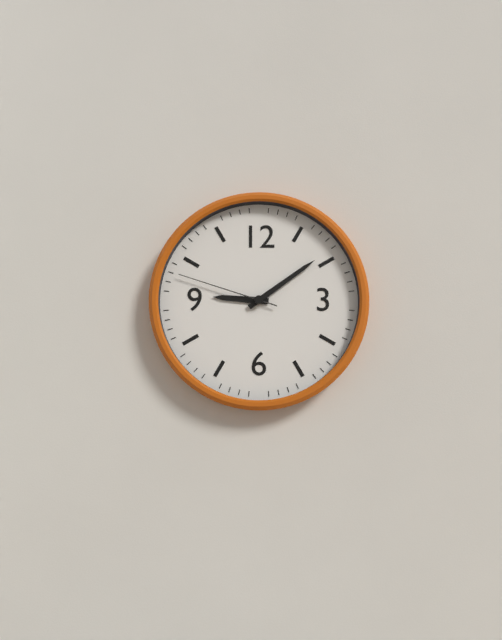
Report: {"hour": 9, "minute": 9, "second": 48}
